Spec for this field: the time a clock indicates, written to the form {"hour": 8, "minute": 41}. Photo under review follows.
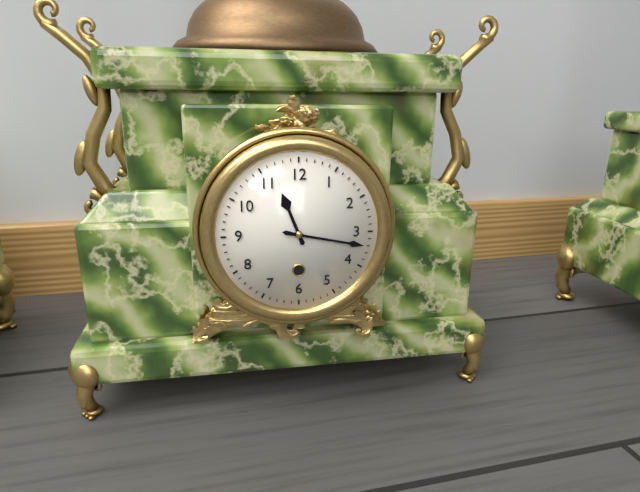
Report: {"hour": 11, "minute": 17}
